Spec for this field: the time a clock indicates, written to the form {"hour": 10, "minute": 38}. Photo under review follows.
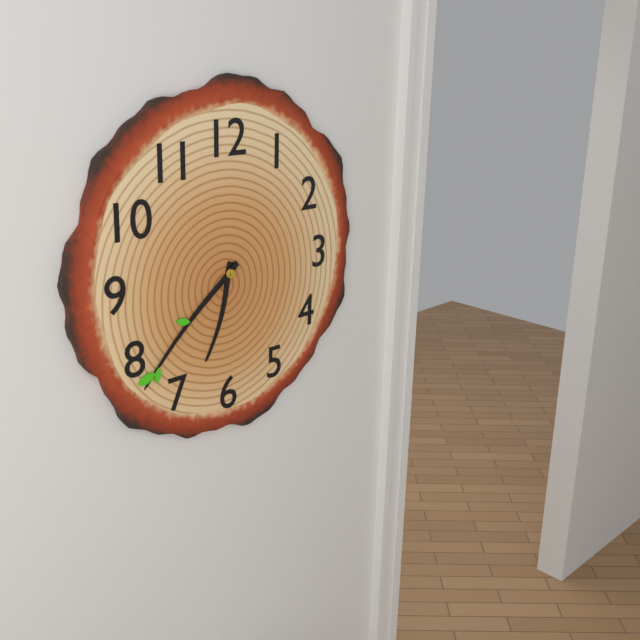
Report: {"hour": 6, "minute": 38}
